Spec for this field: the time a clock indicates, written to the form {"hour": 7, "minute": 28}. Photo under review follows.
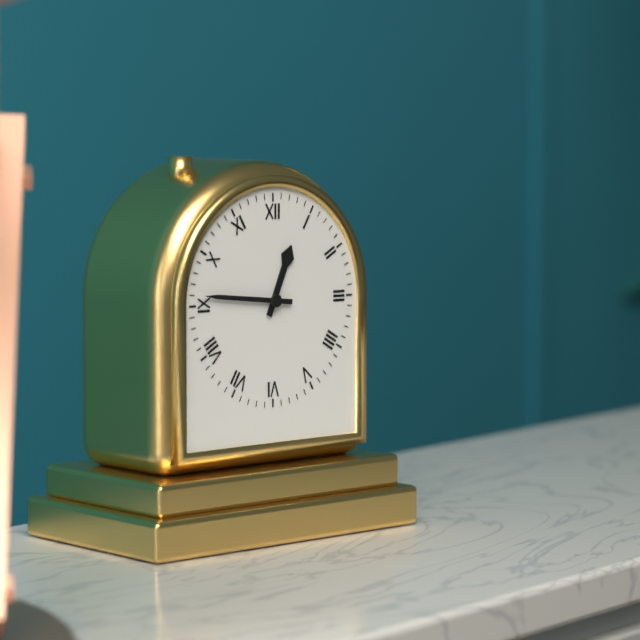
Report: {"hour": 12, "minute": 46}
